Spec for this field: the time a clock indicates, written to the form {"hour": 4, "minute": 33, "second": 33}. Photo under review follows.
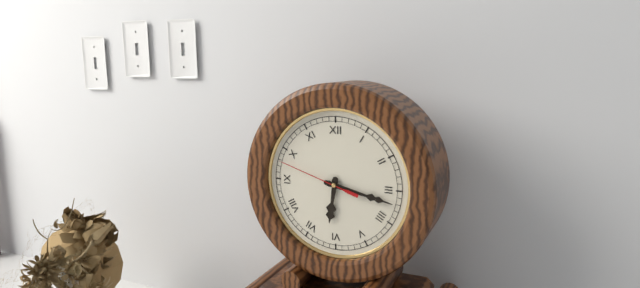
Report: {"hour": 6, "minute": 17, "second": 48}
